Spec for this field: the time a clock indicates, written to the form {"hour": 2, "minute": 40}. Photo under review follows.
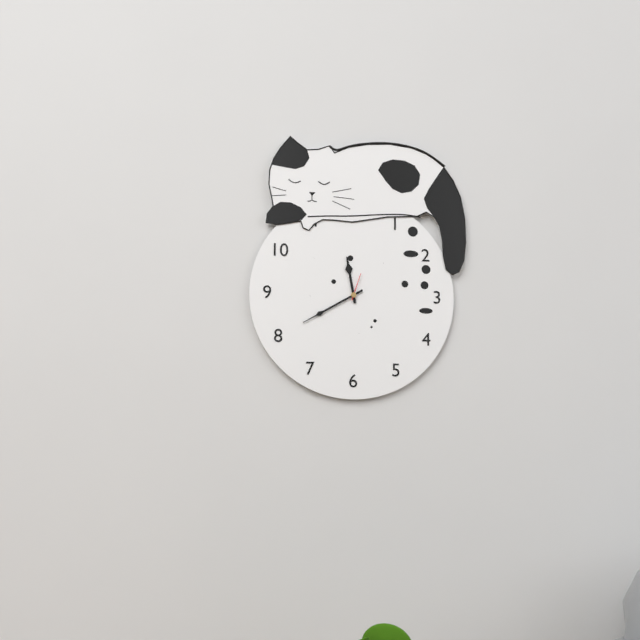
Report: {"hour": 11, "minute": 40}
